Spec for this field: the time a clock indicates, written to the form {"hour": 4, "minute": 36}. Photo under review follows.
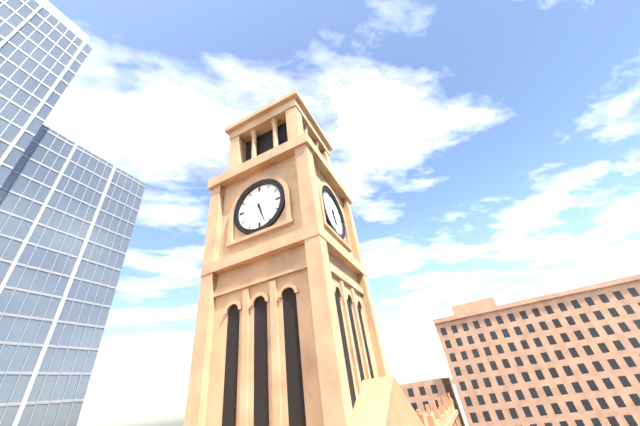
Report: {"hour": 5, "minute": 27}
